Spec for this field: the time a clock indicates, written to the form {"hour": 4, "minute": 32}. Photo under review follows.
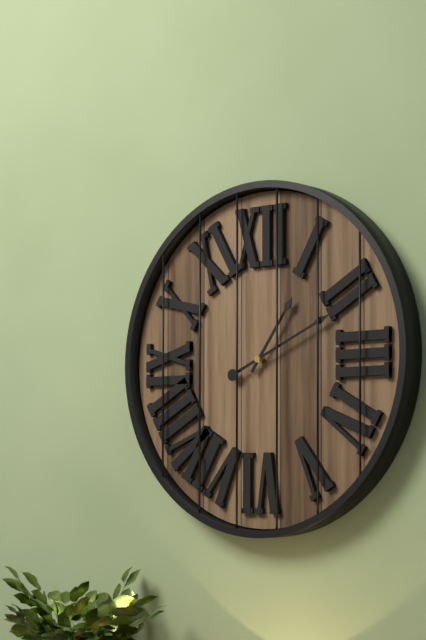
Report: {"hour": 1, "minute": 11}
